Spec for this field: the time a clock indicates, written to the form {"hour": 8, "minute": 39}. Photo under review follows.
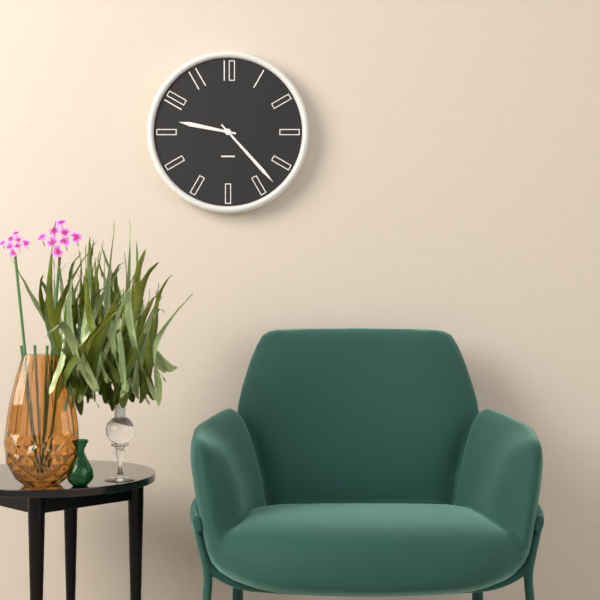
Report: {"hour": 9, "minute": 23}
